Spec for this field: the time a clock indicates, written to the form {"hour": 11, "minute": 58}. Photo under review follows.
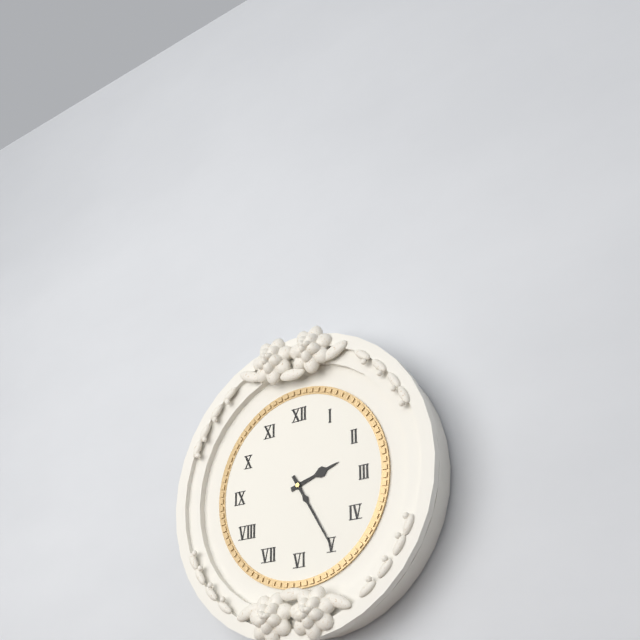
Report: {"hour": 2, "minute": 25}
